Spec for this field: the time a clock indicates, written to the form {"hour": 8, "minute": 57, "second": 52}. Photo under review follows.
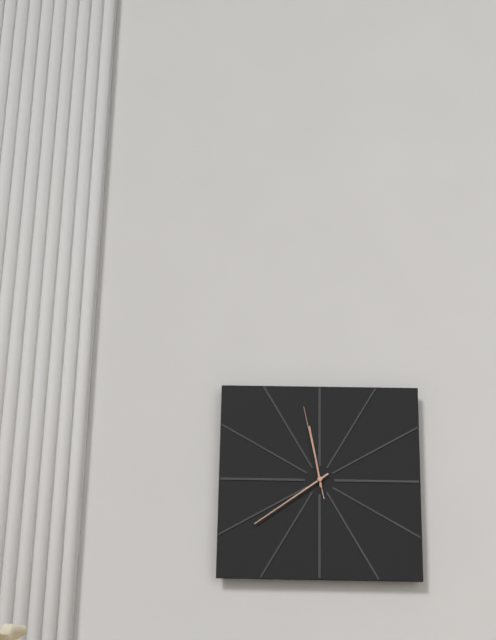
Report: {"hour": 11, "minute": 39, "second": 58}
